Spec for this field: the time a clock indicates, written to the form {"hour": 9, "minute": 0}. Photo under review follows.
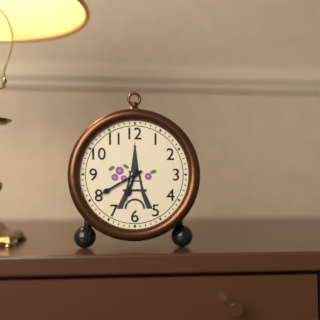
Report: {"hour": 6, "minute": 40}
